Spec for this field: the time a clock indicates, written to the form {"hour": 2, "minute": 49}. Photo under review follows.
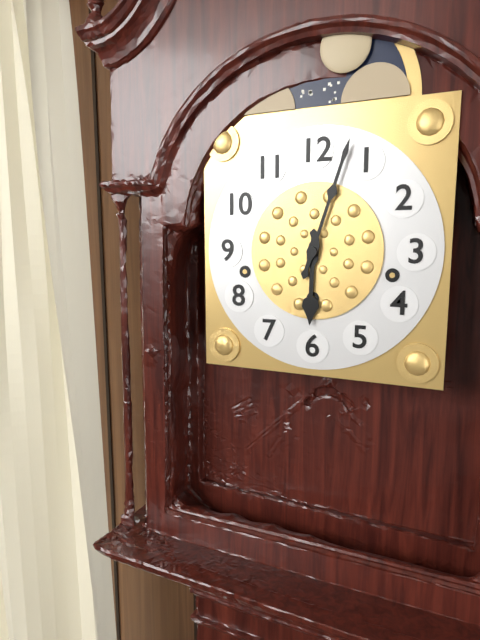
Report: {"hour": 6, "minute": 3}
